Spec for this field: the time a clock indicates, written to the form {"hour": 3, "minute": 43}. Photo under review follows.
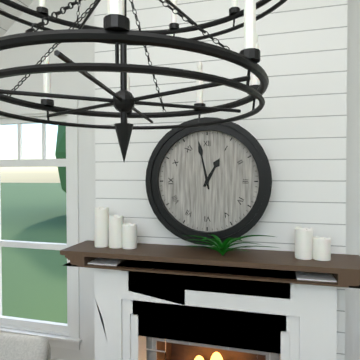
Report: {"hour": 12, "minute": 58}
